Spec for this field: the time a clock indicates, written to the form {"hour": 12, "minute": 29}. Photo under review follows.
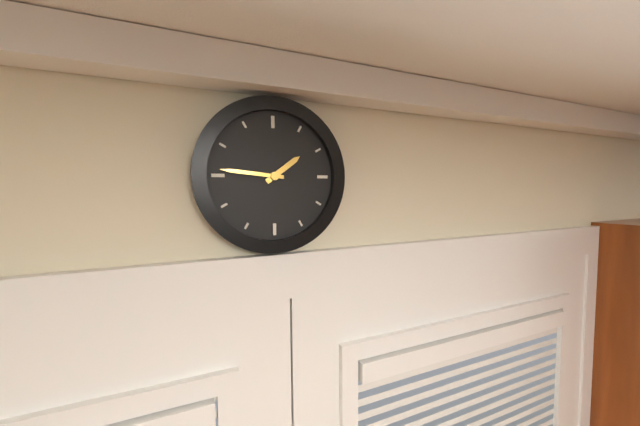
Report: {"hour": 1, "minute": 46}
